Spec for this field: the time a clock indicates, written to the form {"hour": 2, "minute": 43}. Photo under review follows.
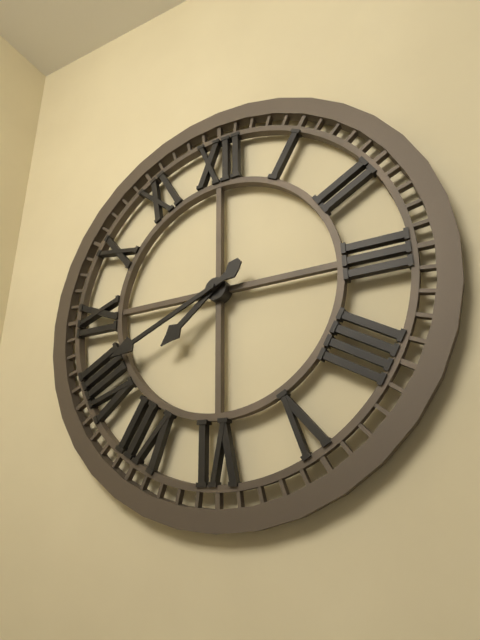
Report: {"hour": 7, "minute": 41}
